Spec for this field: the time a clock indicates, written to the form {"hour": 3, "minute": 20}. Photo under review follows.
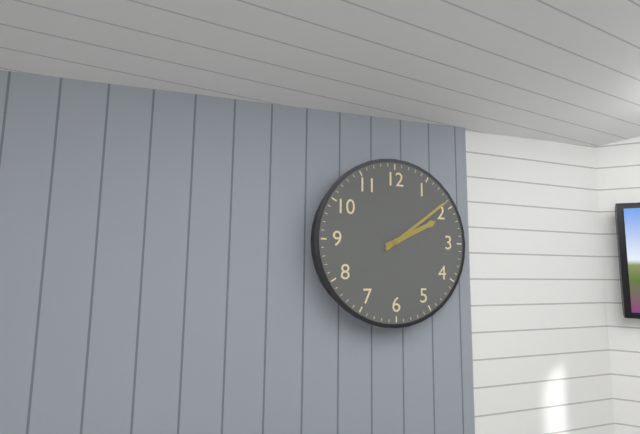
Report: {"hour": 2, "minute": 9}
